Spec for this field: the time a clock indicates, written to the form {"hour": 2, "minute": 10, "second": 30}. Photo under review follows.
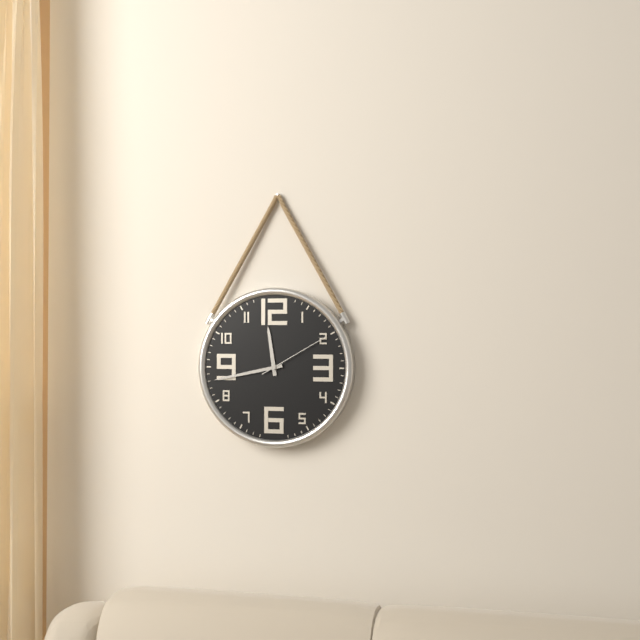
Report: {"hour": 11, "minute": 43, "second": 10}
